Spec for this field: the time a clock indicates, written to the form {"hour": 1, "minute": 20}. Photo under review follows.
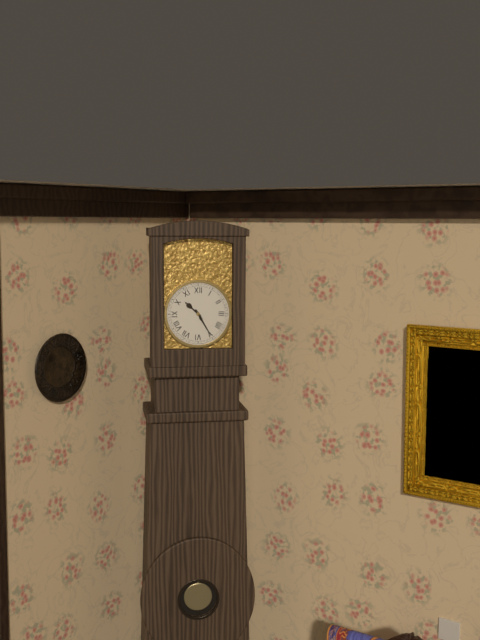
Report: {"hour": 10, "minute": 25}
